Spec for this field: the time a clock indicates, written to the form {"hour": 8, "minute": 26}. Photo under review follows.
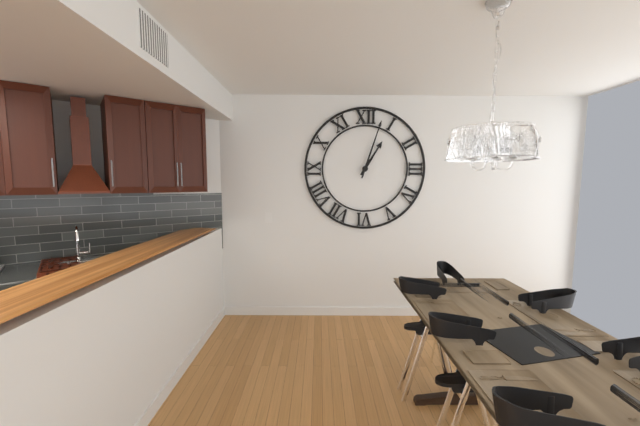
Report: {"hour": 1, "minute": 3}
